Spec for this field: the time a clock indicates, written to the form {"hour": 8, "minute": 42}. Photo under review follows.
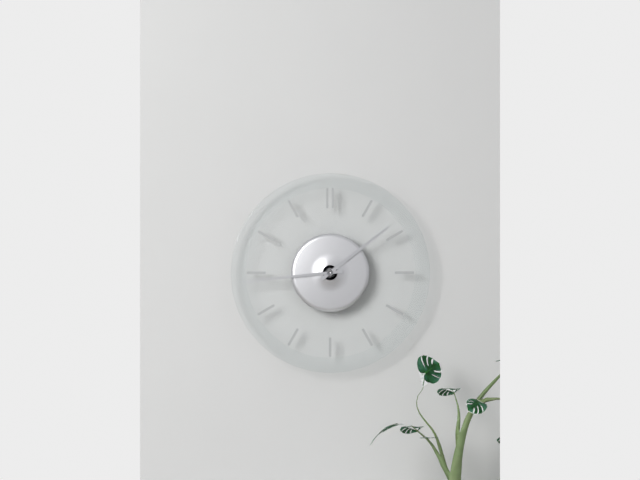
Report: {"hour": 1, "minute": 44}
